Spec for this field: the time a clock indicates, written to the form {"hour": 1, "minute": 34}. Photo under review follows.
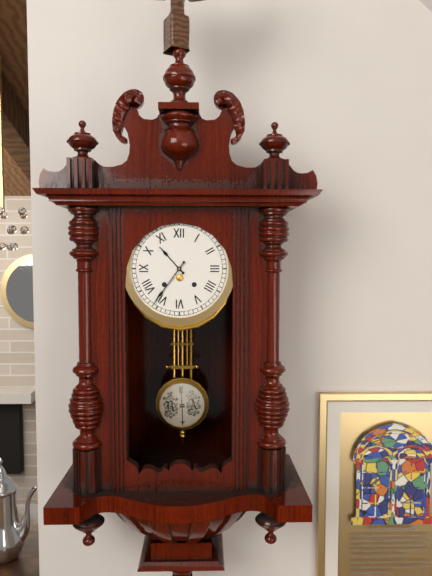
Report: {"hour": 10, "minute": 36}
